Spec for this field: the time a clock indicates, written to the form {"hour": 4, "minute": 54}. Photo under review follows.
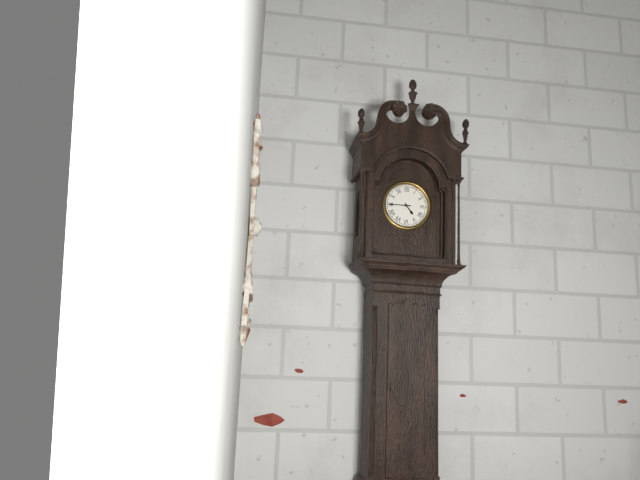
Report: {"hour": 4, "minute": 45}
